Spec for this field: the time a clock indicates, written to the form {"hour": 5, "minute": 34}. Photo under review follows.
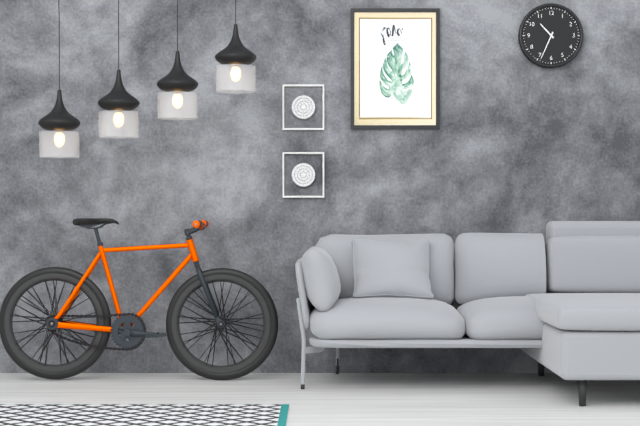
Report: {"hour": 10, "minute": 34}
